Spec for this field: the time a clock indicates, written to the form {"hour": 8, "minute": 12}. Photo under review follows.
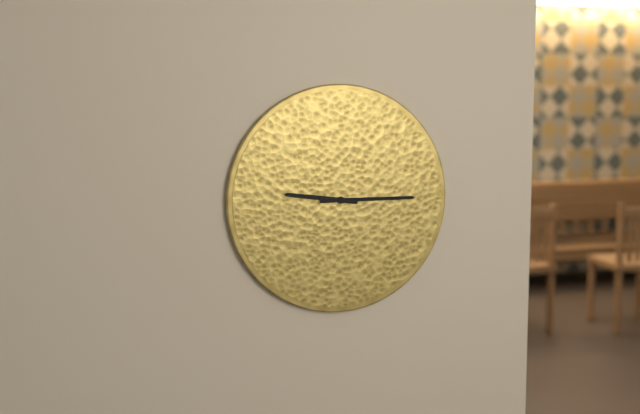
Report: {"hour": 9, "minute": 15}
